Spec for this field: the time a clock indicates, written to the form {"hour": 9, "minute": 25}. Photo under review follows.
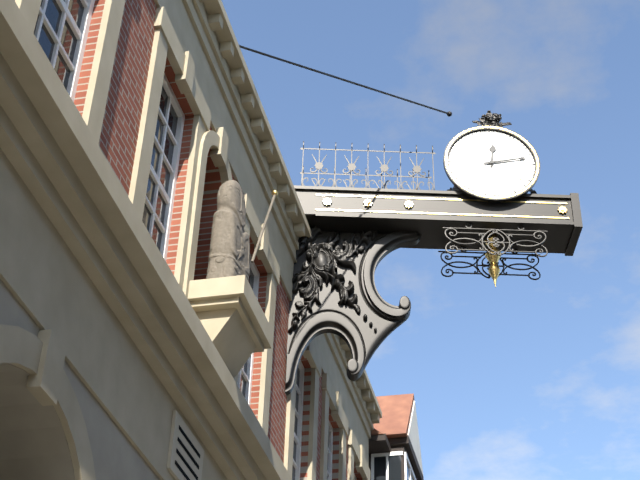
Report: {"hour": 12, "minute": 13}
